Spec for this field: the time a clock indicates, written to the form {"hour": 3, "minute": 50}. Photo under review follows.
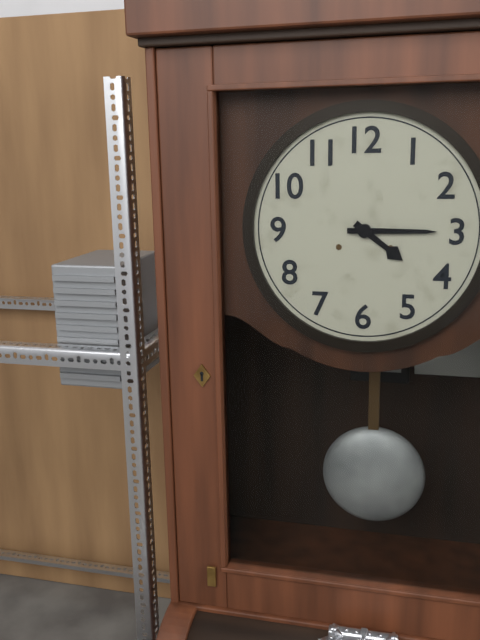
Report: {"hour": 4, "minute": 15}
